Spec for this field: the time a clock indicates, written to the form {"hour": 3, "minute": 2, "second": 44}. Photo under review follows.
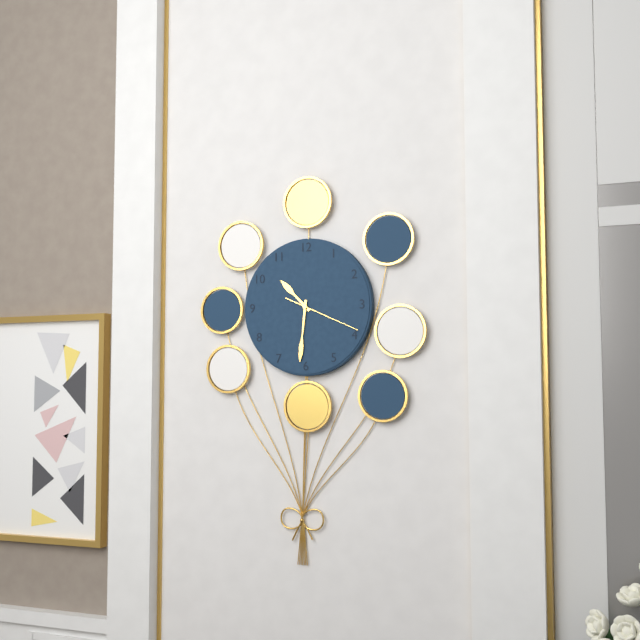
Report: {"hour": 10, "minute": 31, "second": 19}
